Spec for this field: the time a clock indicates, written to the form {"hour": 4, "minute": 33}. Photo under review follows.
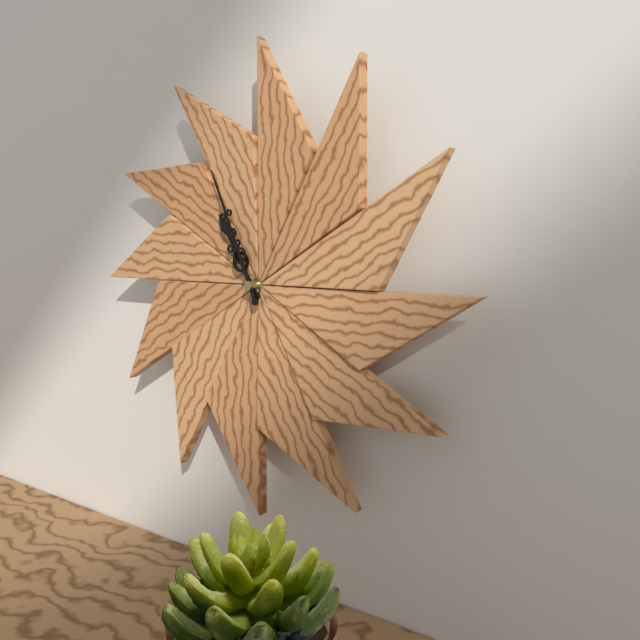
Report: {"hour": 10, "minute": 56}
